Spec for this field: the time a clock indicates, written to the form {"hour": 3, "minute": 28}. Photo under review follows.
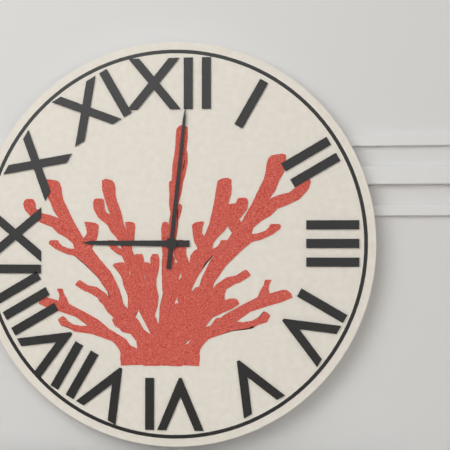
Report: {"hour": 9, "minute": 1}
